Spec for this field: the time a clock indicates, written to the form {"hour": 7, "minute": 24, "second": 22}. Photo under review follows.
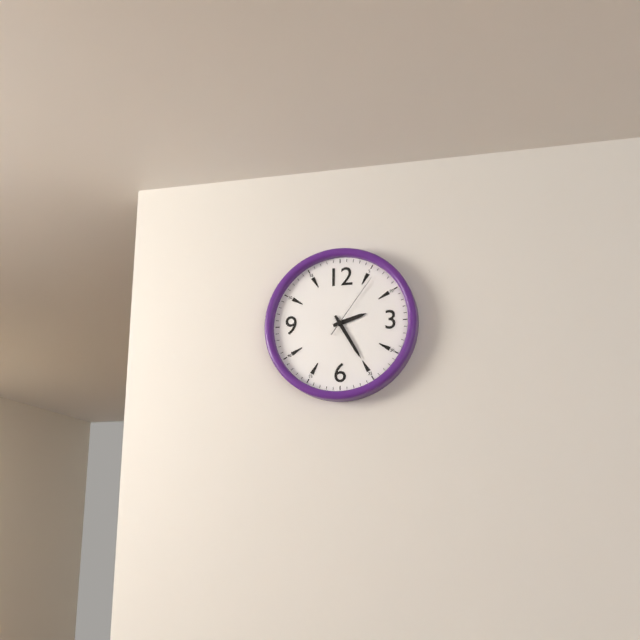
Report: {"hour": 2, "minute": 25, "second": 6}
